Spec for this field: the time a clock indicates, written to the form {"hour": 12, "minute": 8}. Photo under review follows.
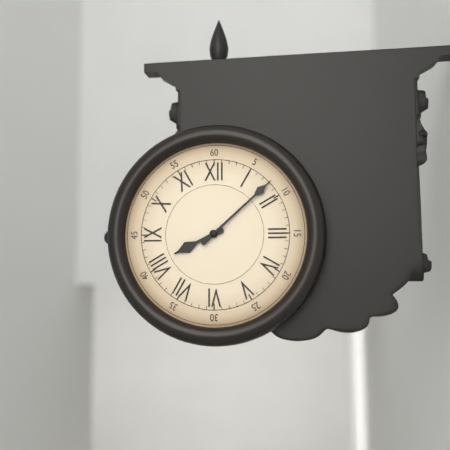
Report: {"hour": 8, "minute": 8}
